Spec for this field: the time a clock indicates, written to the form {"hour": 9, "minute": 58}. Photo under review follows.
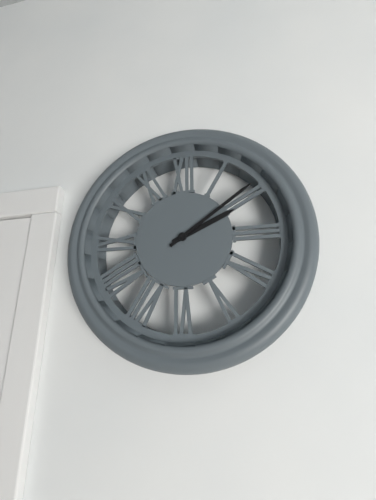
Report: {"hour": 2, "minute": 9}
